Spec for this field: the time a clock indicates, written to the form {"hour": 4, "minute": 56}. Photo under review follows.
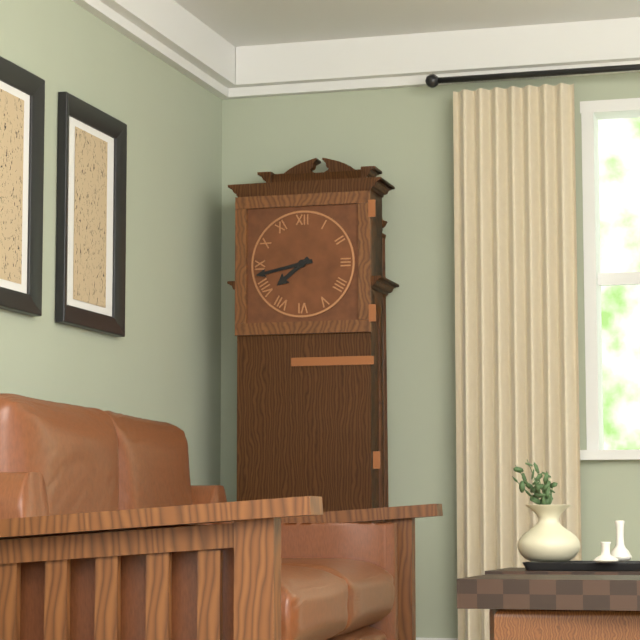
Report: {"hour": 7, "minute": 43}
